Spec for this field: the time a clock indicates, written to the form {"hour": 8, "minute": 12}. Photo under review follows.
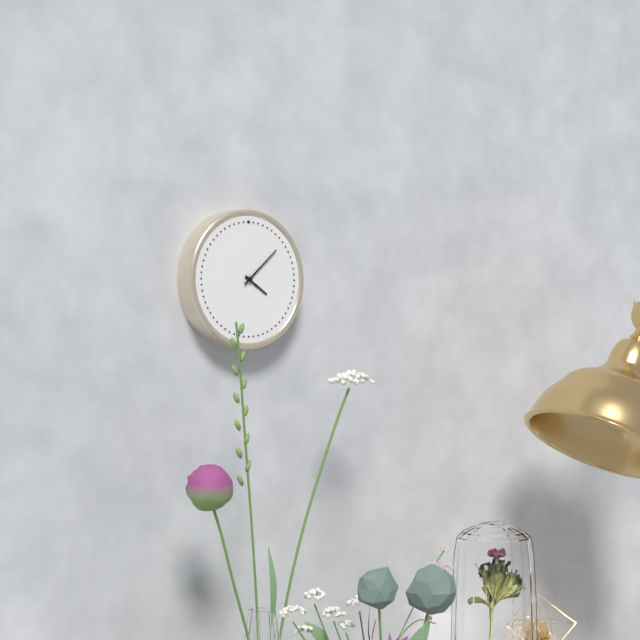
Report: {"hour": 4, "minute": 8}
